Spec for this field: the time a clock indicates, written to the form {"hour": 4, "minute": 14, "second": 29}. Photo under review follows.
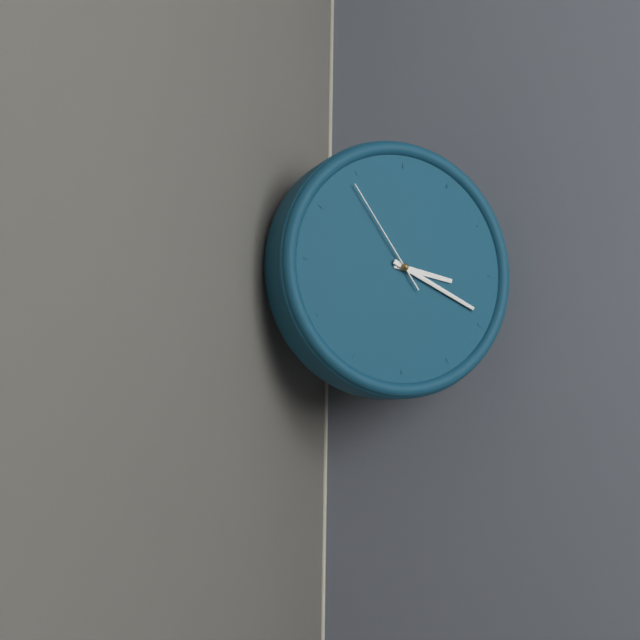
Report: {"hour": 3, "minute": 19, "second": 54}
